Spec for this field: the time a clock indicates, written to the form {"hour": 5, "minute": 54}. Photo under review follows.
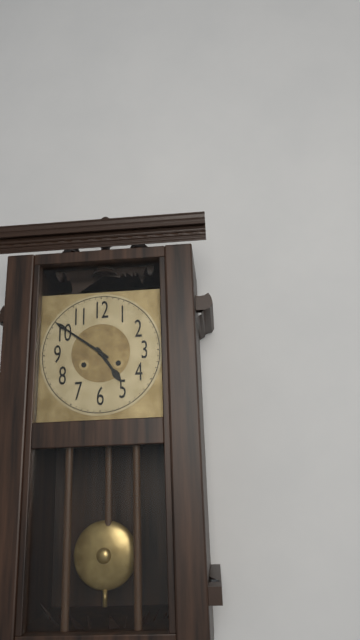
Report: {"hour": 4, "minute": 51}
